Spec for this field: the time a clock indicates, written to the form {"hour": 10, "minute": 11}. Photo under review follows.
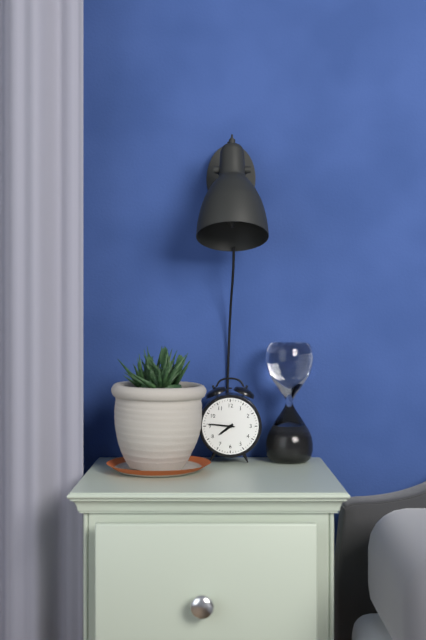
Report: {"hour": 7, "minute": 46}
